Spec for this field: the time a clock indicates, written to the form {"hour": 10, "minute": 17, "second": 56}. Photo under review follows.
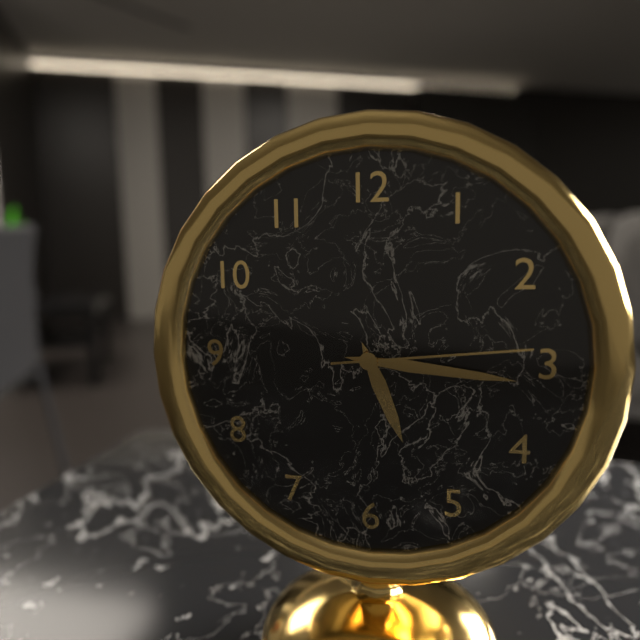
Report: {"hour": 5, "minute": 16, "second": 14}
